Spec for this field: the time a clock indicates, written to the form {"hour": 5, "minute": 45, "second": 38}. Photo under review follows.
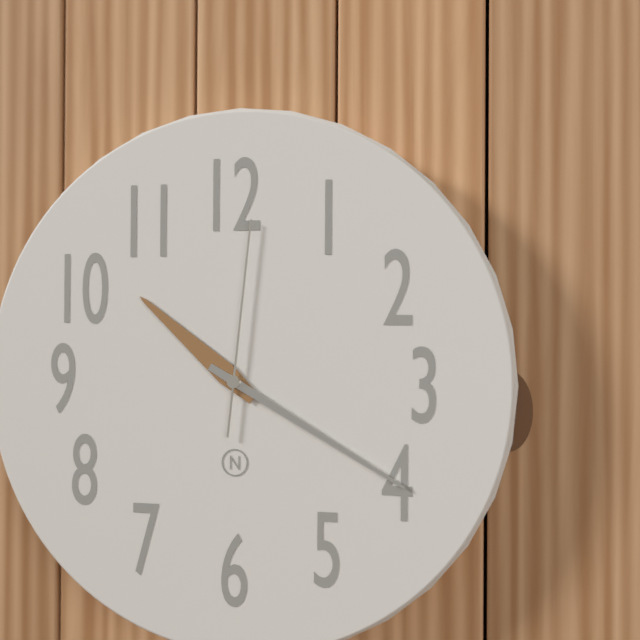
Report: {"hour": 10, "minute": 20, "second": 1}
